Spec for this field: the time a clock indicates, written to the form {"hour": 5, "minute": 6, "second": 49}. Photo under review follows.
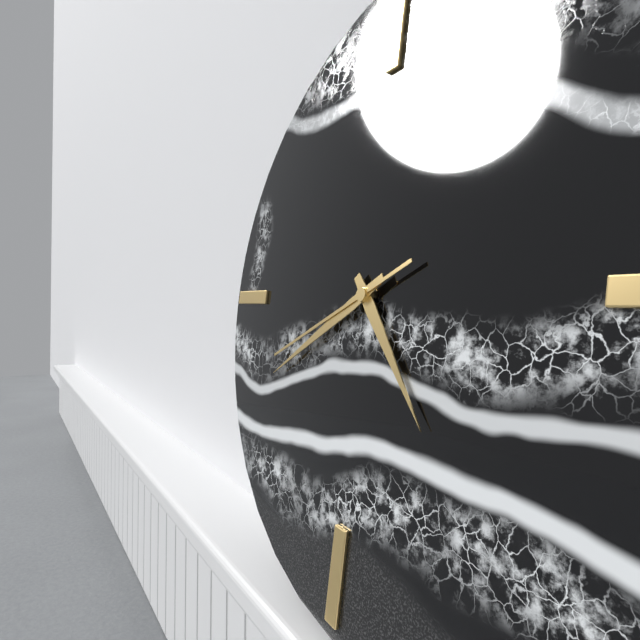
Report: {"hour": 4, "minute": 40, "second": 41}
